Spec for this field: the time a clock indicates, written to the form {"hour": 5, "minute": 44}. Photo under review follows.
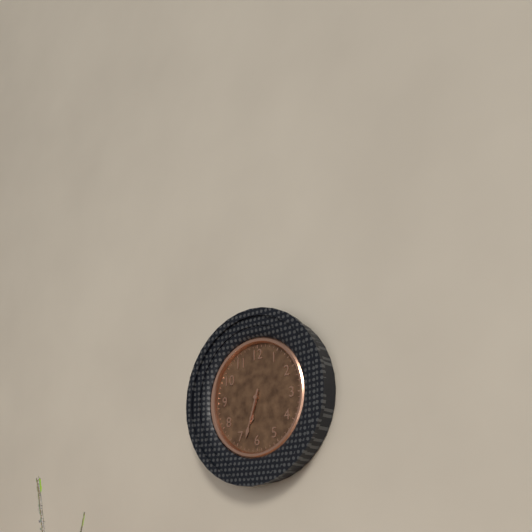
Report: {"hour": 6, "minute": 33}
